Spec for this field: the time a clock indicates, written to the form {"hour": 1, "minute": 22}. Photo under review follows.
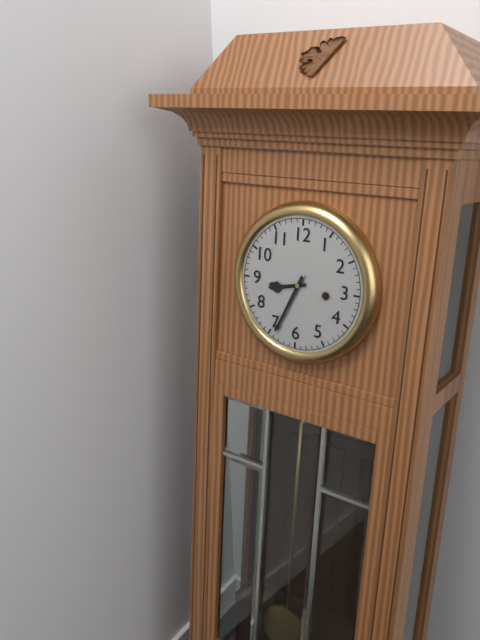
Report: {"hour": 8, "minute": 34}
